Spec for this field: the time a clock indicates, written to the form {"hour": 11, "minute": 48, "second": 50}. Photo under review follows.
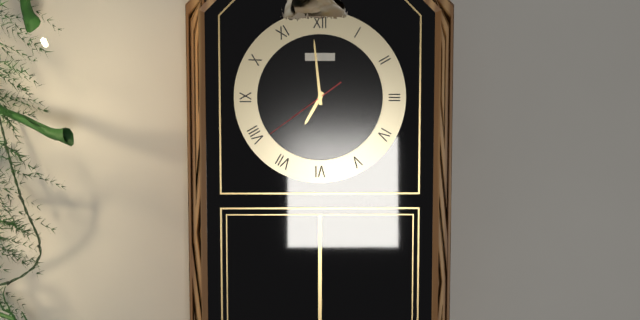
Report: {"hour": 6, "minute": 59, "second": 39}
